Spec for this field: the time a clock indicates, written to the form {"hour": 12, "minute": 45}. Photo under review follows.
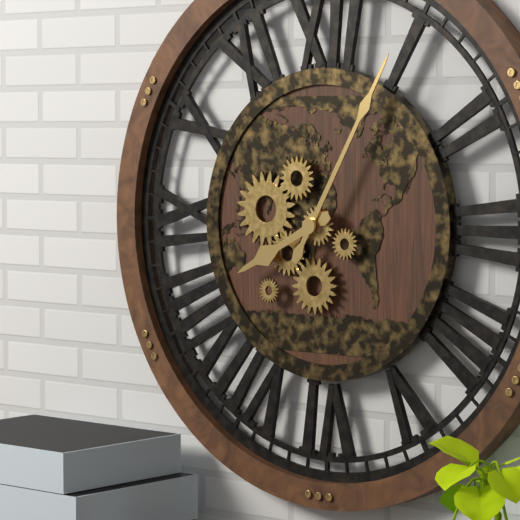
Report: {"hour": 8, "minute": 5}
